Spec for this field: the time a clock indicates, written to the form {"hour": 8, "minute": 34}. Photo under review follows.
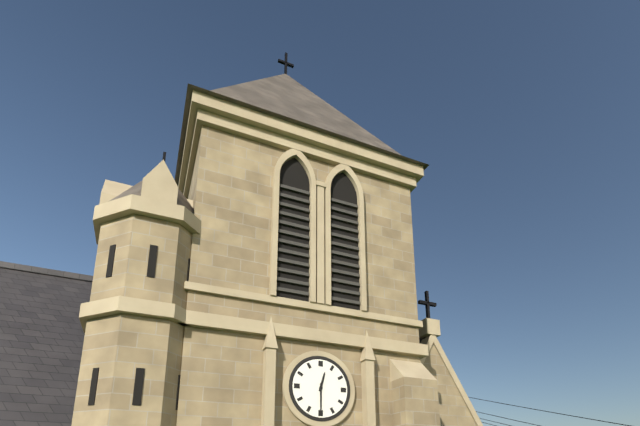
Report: {"hour": 12, "minute": 30}
